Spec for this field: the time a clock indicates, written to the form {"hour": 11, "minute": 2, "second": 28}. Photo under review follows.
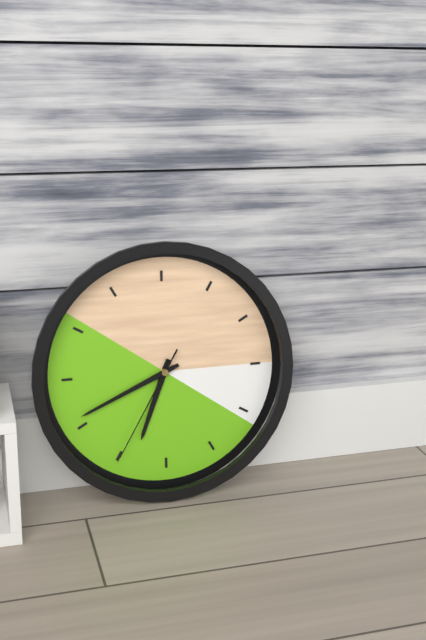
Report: {"hour": 6, "minute": 41, "second": 35}
